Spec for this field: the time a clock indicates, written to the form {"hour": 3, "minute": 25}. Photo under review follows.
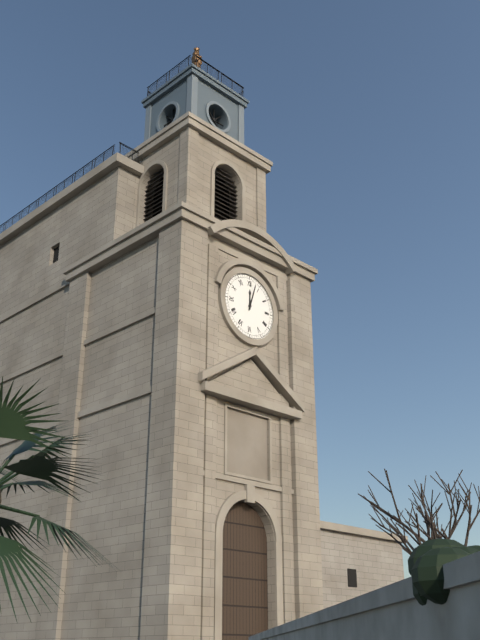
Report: {"hour": 12, "minute": 3}
